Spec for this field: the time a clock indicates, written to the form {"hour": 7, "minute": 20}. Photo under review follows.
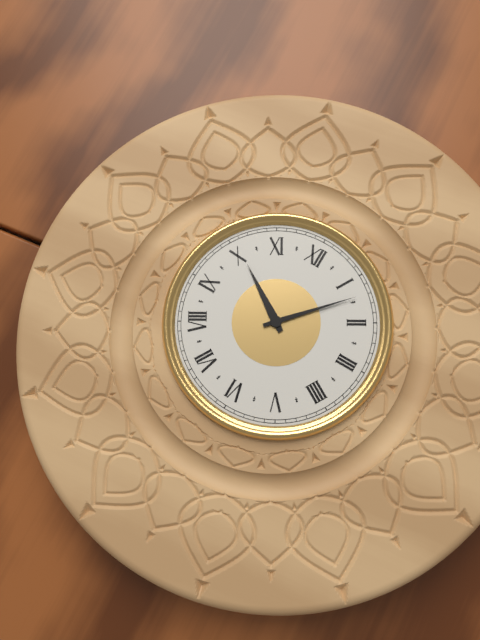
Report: {"hour": 10, "minute": 7}
